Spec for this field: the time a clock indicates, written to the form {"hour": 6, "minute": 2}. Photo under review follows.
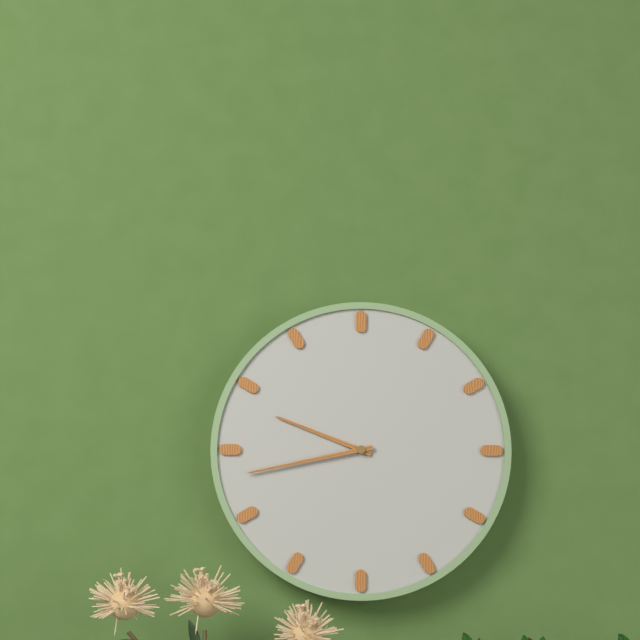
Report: {"hour": 9, "minute": 43}
